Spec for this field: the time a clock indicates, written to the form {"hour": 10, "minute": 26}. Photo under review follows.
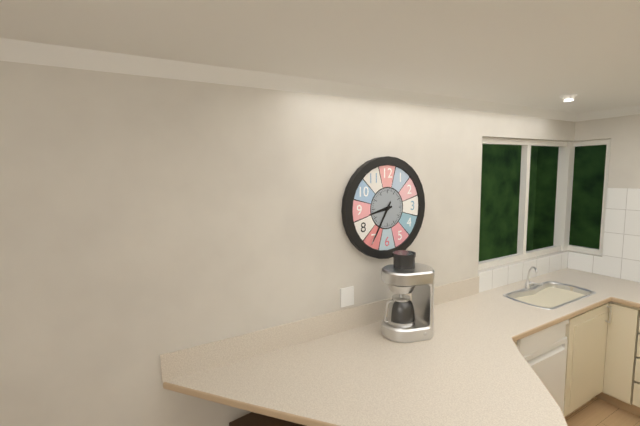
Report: {"hour": 8, "minute": 35}
